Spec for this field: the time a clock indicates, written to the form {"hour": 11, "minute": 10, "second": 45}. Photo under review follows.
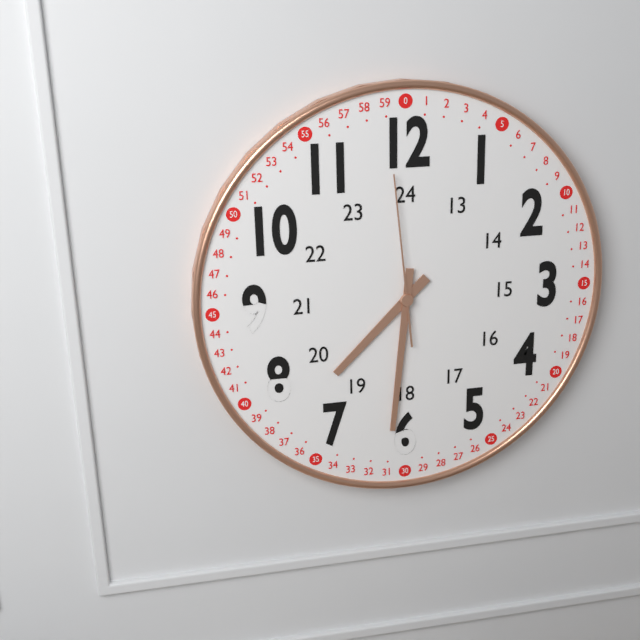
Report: {"hour": 7, "minute": 31, "second": 59}
